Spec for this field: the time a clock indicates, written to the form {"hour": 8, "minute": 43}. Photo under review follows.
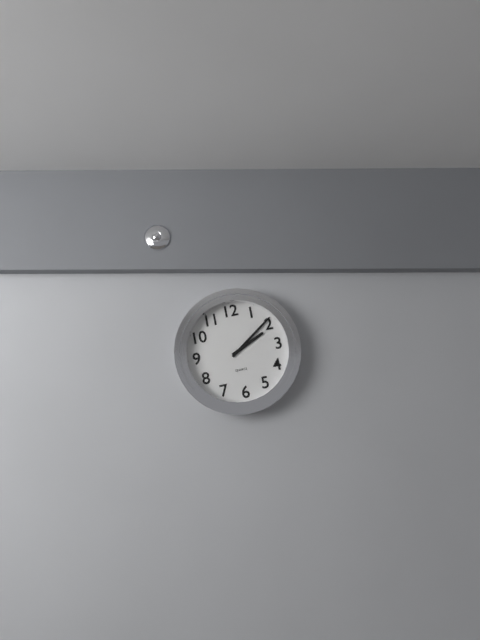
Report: {"hour": 2, "minute": 9}
